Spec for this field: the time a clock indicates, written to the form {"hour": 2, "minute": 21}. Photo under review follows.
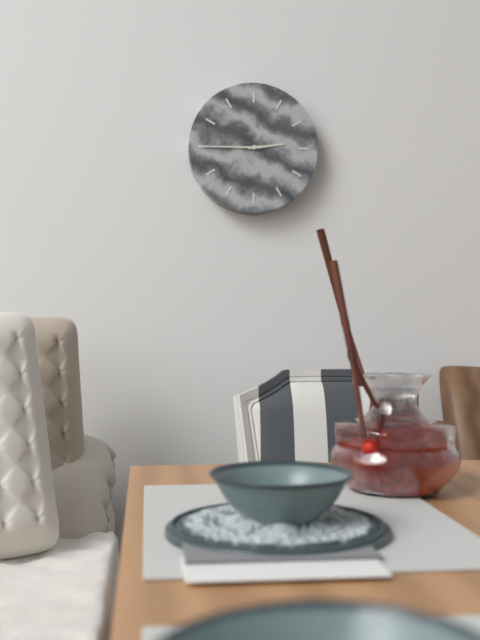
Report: {"hour": 2, "minute": 45}
